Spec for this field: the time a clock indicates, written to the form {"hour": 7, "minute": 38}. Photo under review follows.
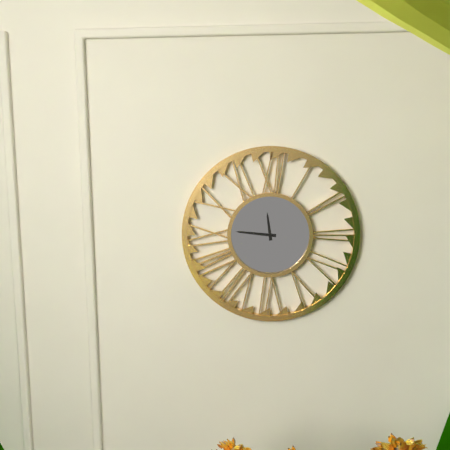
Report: {"hour": 11, "minute": 46}
